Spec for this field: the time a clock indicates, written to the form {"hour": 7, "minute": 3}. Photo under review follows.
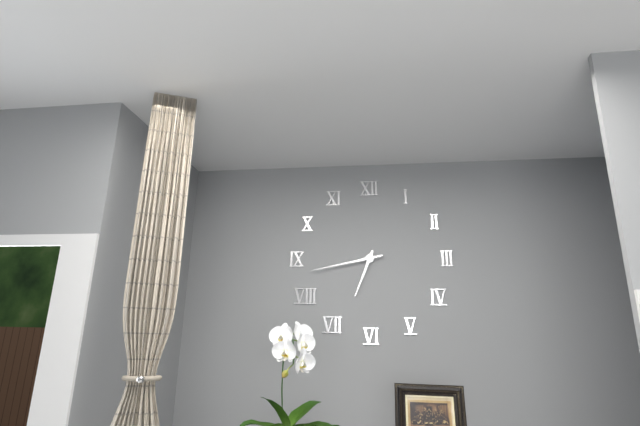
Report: {"hour": 6, "minute": 43}
